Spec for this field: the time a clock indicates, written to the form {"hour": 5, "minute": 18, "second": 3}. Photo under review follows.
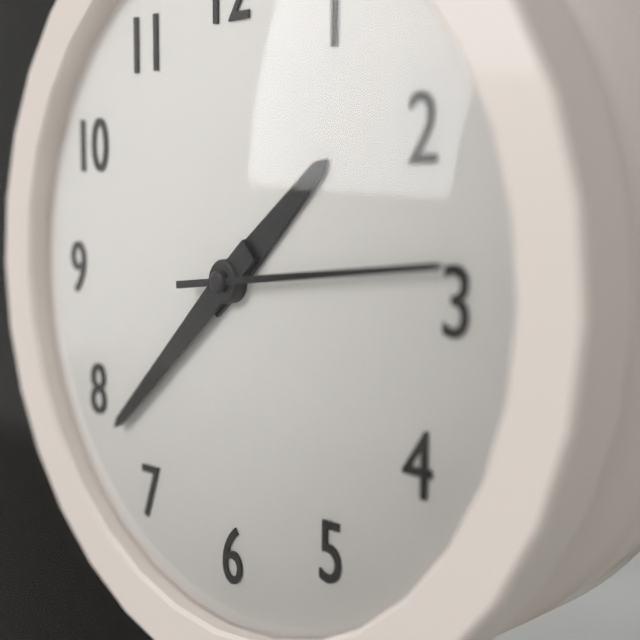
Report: {"hour": 1, "minute": 38, "second": 14}
